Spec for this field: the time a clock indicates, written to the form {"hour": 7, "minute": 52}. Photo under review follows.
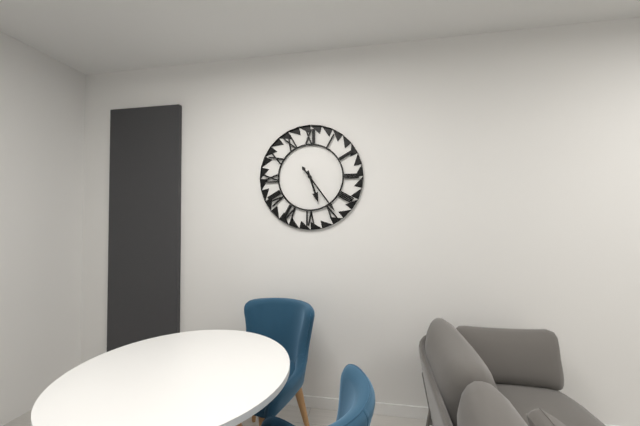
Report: {"hour": 5, "minute": 24}
